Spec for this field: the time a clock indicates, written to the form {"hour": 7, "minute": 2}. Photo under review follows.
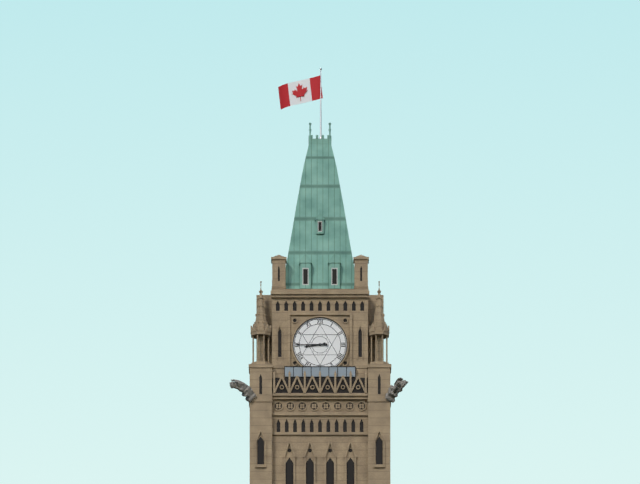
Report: {"hour": 8, "minute": 45}
